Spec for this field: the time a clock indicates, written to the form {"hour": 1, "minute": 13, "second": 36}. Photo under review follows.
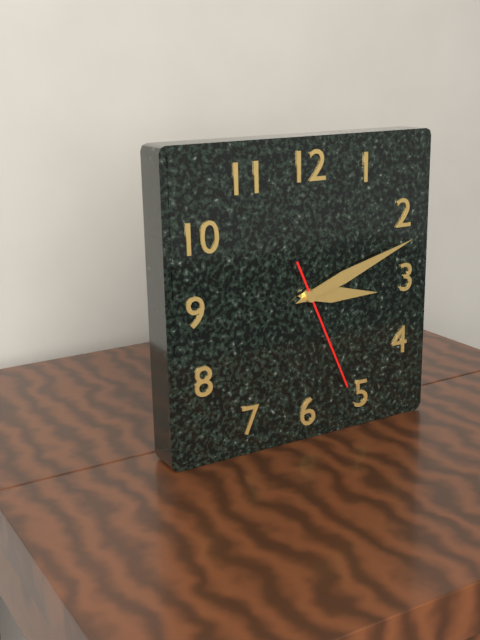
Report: {"hour": 3, "minute": 12, "second": 26}
